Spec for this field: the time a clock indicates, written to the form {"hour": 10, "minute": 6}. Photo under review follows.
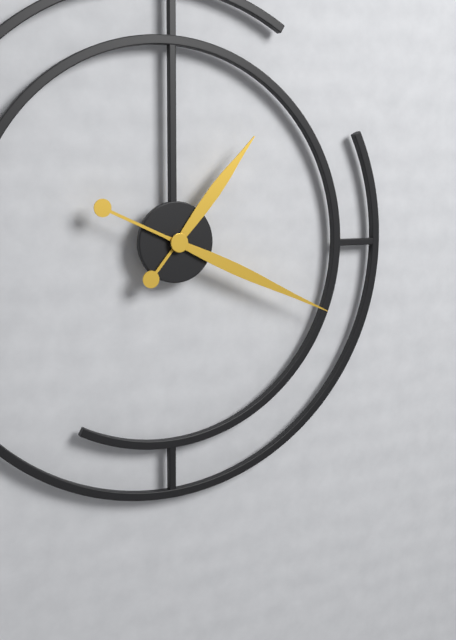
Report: {"hour": 1, "minute": 19}
